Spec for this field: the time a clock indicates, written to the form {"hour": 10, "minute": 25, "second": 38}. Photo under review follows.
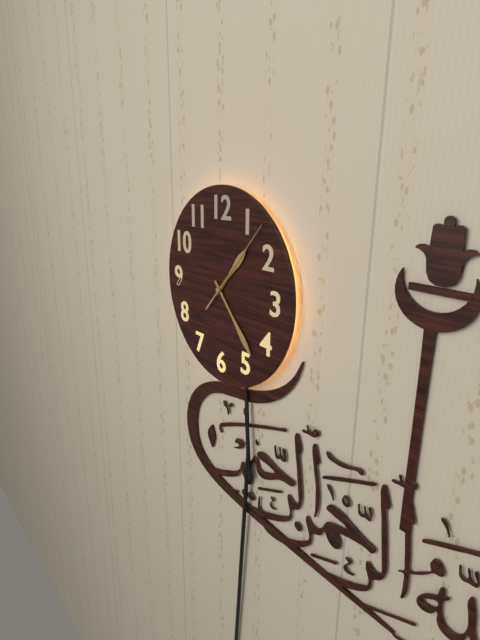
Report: {"hour": 1, "minute": 23, "second": 7}
